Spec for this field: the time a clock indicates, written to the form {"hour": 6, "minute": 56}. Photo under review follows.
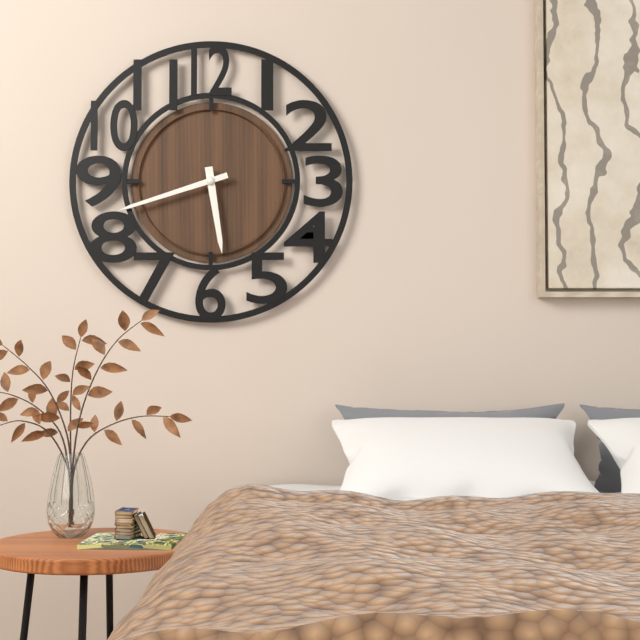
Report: {"hour": 5, "minute": 42}
